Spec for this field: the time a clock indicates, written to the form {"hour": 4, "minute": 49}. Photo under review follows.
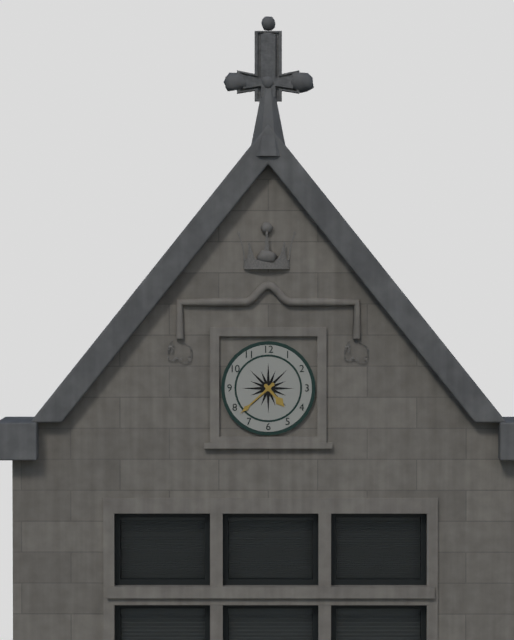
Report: {"hour": 4, "minute": 38}
